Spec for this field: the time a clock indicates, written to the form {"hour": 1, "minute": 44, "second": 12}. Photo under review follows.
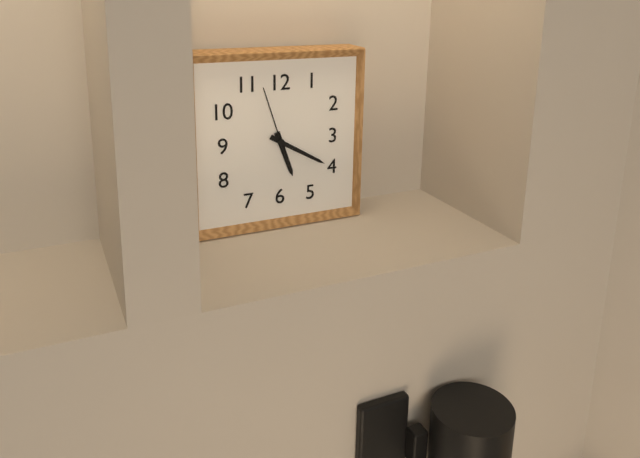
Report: {"hour": 5, "minute": 20, "second": 57}
